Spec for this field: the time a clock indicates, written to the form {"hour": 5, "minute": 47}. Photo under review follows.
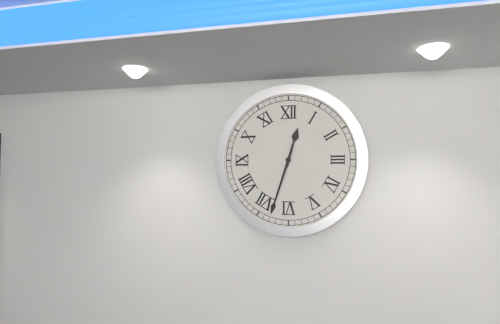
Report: {"hour": 12, "minute": 33}
